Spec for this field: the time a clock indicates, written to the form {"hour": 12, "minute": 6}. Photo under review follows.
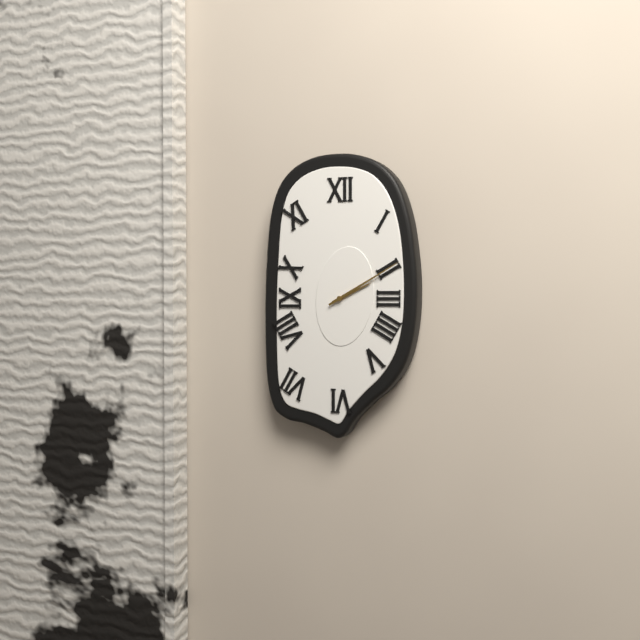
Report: {"hour": 2, "minute": 10}
